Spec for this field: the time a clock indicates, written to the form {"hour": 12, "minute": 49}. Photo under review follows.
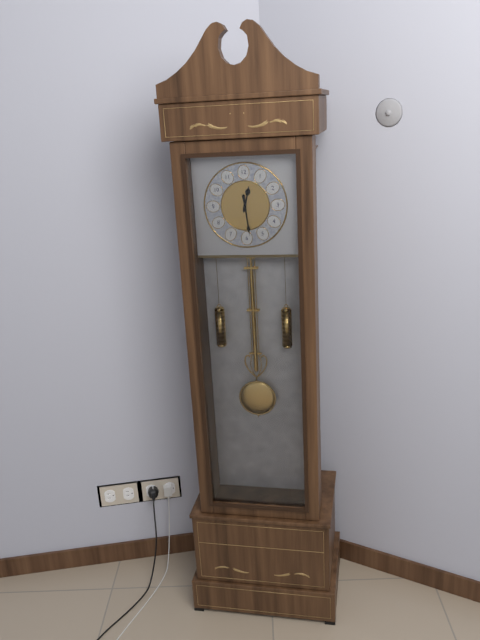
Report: {"hour": 12, "minute": 29}
